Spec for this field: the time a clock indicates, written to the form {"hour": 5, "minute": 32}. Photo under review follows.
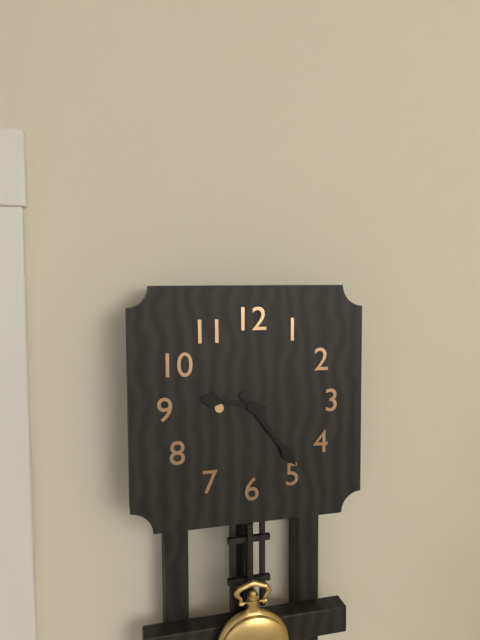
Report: {"hour": 9, "minute": 24}
